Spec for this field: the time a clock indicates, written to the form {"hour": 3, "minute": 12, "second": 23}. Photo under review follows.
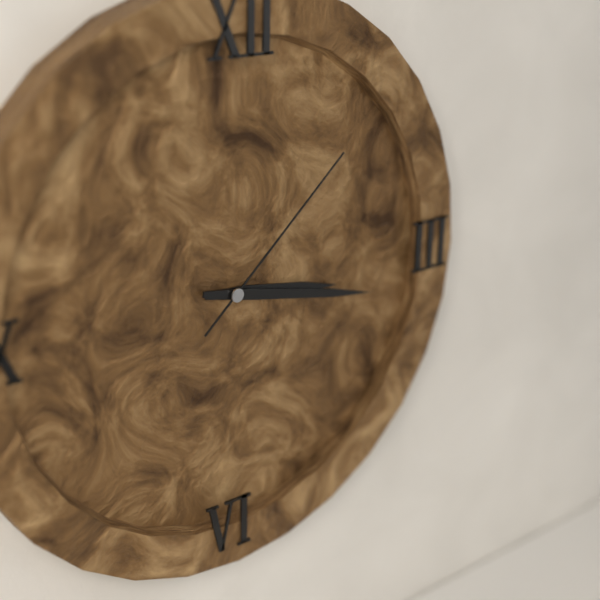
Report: {"hour": 3, "minute": 17, "second": 8}
